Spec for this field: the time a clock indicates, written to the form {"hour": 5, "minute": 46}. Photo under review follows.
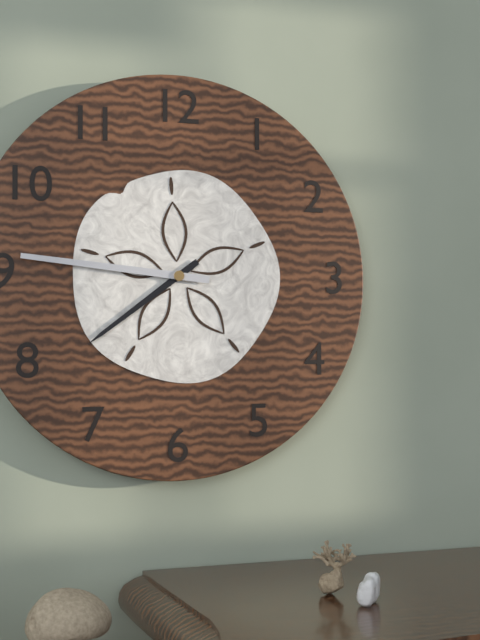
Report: {"hour": 7, "minute": 46}
